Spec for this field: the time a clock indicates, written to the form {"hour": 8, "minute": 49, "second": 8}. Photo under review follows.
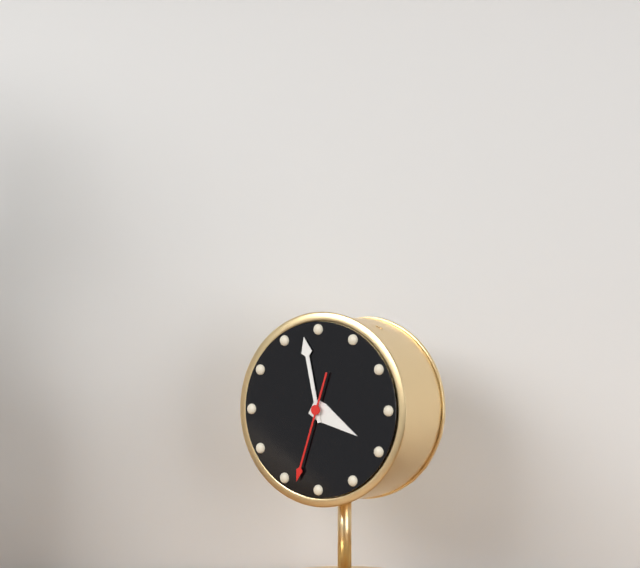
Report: {"hour": 3, "minute": 58, "second": 33}
